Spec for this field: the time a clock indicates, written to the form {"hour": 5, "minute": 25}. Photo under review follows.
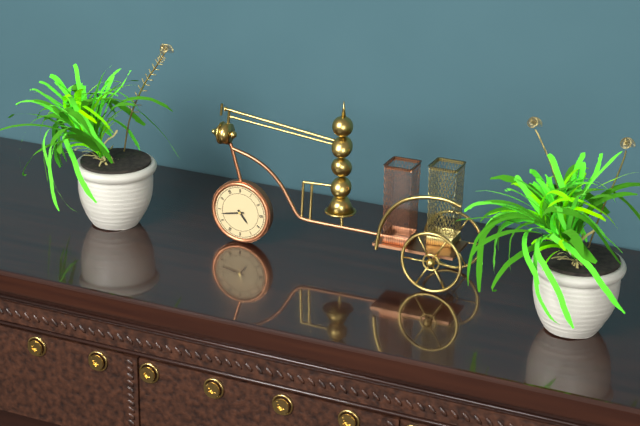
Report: {"hour": 4, "minute": 43}
